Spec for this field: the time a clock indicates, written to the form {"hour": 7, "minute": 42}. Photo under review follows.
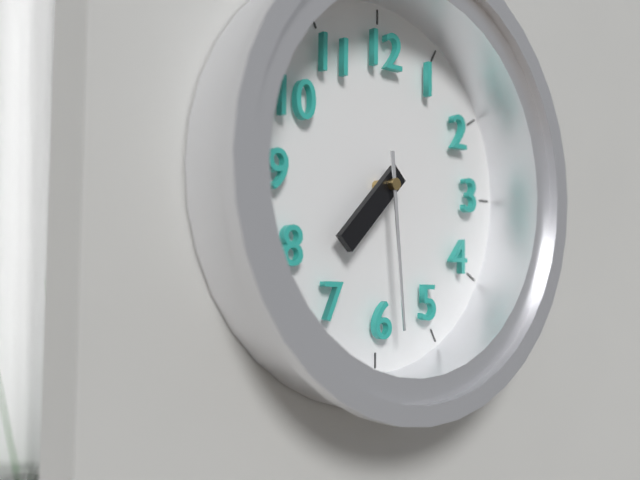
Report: {"hour": 7, "minute": 29}
